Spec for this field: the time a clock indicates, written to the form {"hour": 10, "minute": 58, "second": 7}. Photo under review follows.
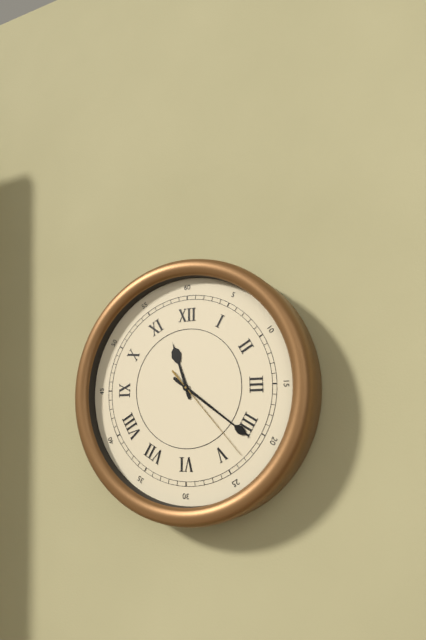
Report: {"hour": 11, "minute": 21, "second": 23}
